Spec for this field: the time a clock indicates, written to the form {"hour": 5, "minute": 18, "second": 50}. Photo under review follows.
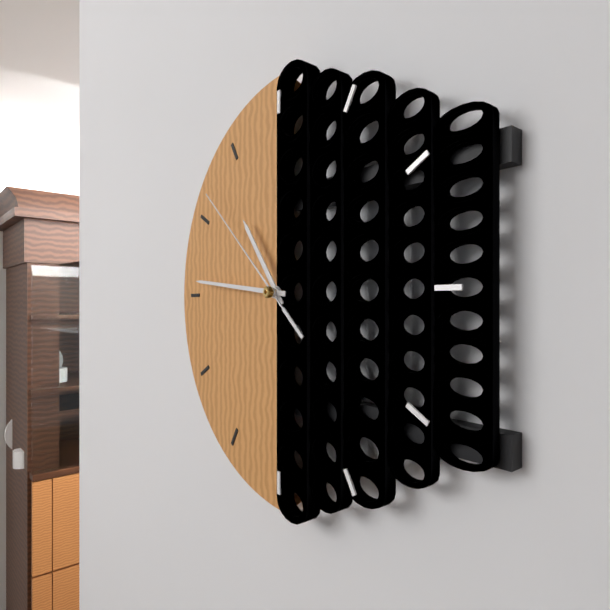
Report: {"hour": 10, "minute": 46, "second": 52}
